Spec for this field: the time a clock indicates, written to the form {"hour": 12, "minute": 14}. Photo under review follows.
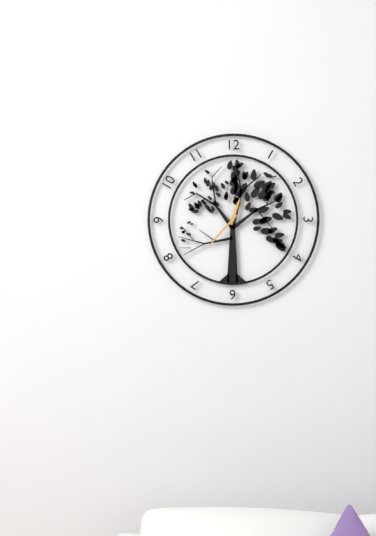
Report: {"hour": 12, "minute": 37}
